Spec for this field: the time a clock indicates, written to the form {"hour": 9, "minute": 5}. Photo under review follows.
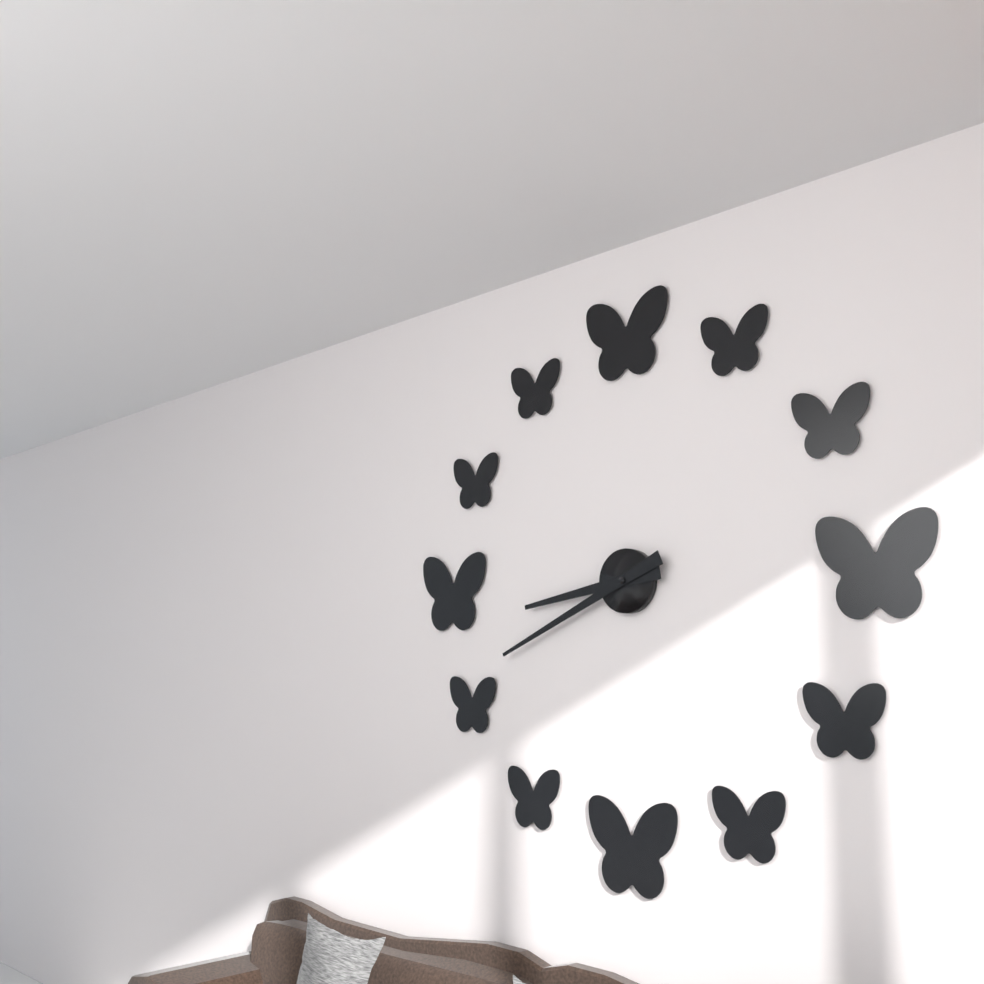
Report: {"hour": 8, "minute": 41}
